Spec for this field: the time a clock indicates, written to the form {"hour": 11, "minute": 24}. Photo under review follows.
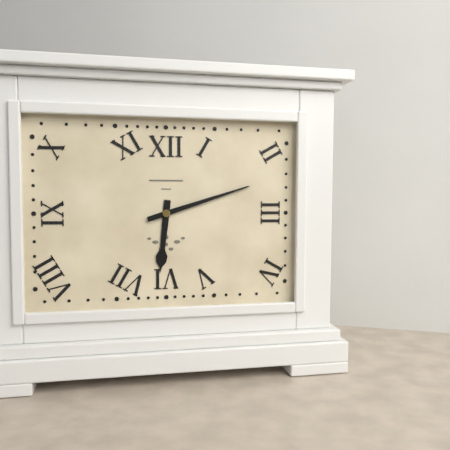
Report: {"hour": 6, "minute": 12}
